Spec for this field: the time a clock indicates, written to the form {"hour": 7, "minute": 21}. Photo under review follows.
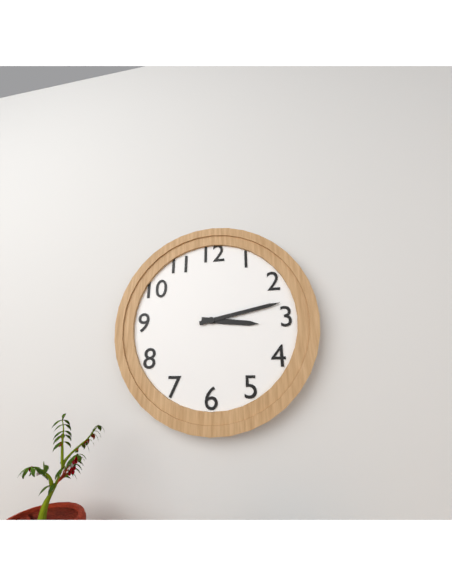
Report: {"hour": 3, "minute": 13}
